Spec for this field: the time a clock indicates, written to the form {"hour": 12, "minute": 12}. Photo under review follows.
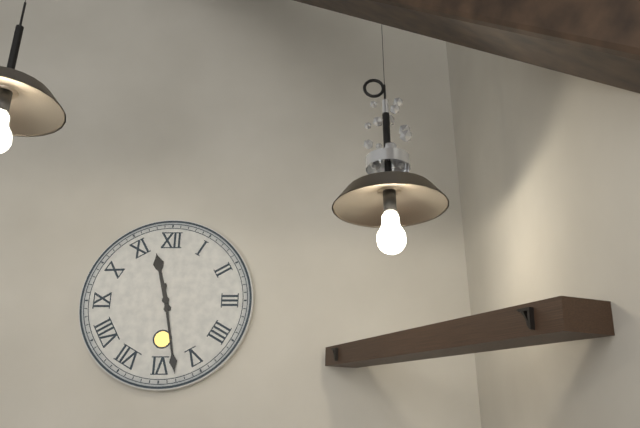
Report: {"hour": 11, "minute": 28}
